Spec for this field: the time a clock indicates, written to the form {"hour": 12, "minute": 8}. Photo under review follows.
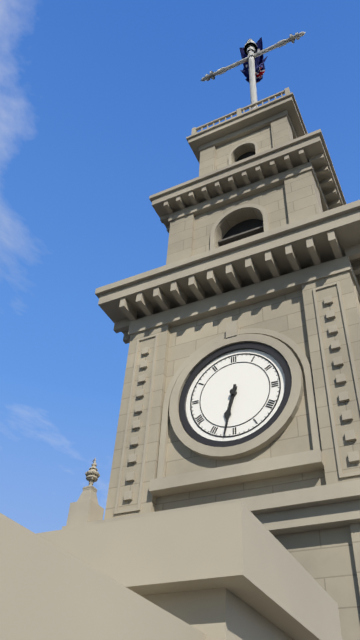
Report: {"hour": 6, "minute": 32}
